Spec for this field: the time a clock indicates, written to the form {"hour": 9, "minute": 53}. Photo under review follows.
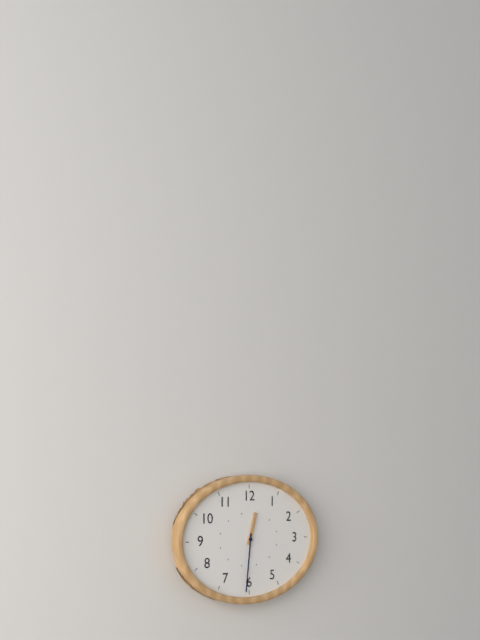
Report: {"hour": 12, "minute": 31}
